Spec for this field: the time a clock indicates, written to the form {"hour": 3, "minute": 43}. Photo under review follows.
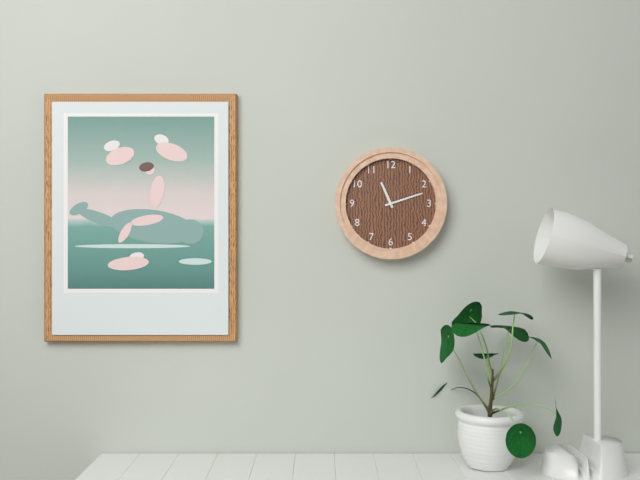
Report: {"hour": 11, "minute": 12}
